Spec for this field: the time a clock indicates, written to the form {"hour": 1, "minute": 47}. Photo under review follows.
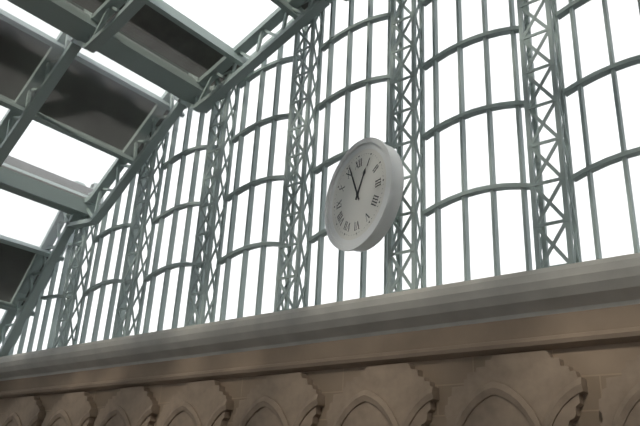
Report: {"hour": 12, "minute": 56}
